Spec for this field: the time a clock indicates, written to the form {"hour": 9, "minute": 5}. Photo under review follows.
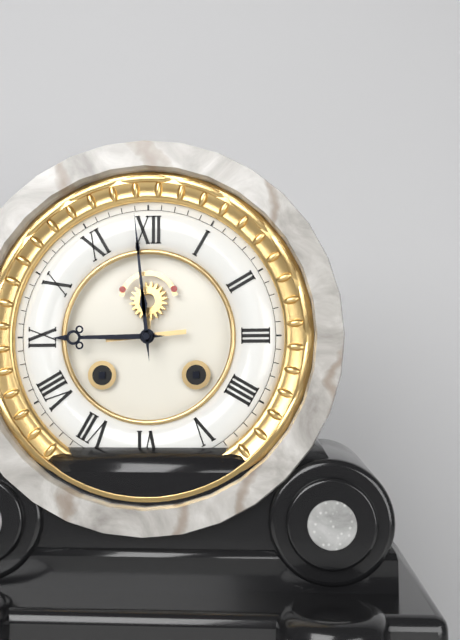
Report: {"hour": 8, "minute": 59}
